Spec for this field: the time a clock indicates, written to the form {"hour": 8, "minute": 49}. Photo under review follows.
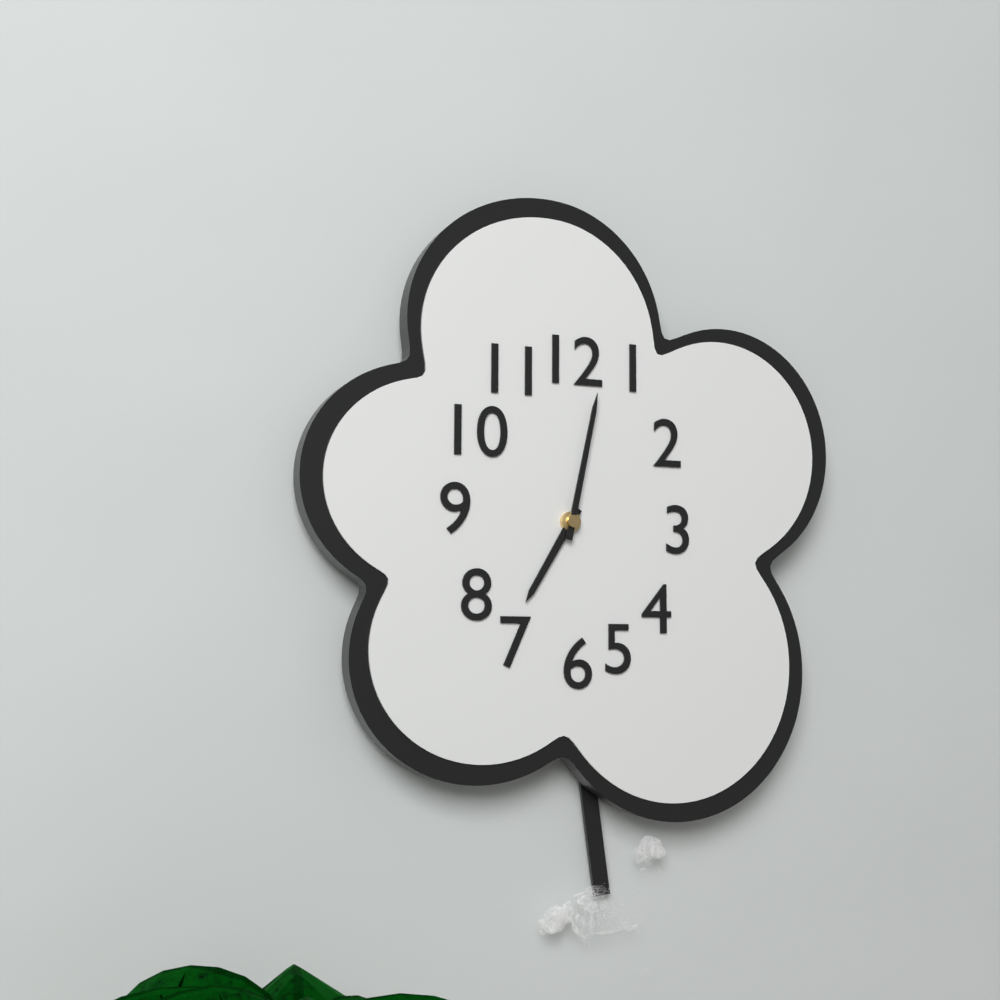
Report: {"hour": 7, "minute": 2}
